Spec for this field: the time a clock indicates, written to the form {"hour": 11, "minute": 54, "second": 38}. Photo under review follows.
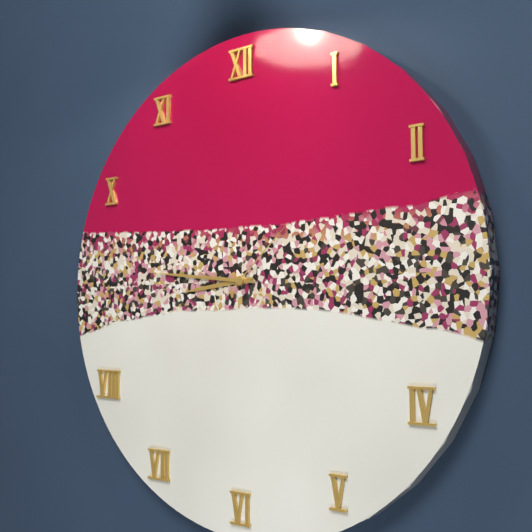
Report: {"hour": 8, "minute": 46, "second": 8}
